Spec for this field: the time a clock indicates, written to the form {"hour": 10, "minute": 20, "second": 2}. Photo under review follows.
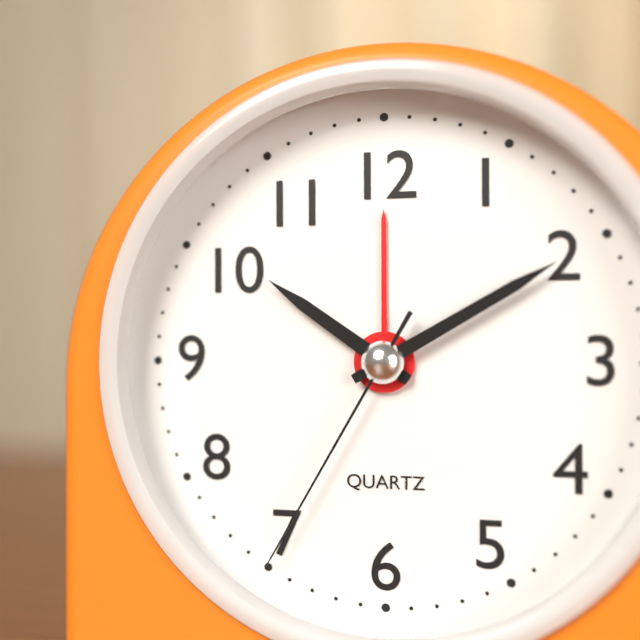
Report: {"hour": 10, "minute": 10, "second": 35}
